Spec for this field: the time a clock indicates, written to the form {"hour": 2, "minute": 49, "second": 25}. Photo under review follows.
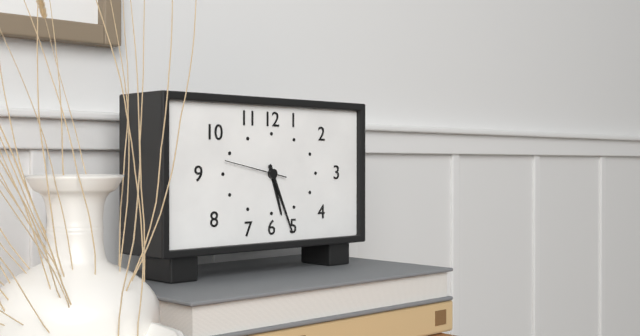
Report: {"hour": 5, "minute": 26, "second": 47}
